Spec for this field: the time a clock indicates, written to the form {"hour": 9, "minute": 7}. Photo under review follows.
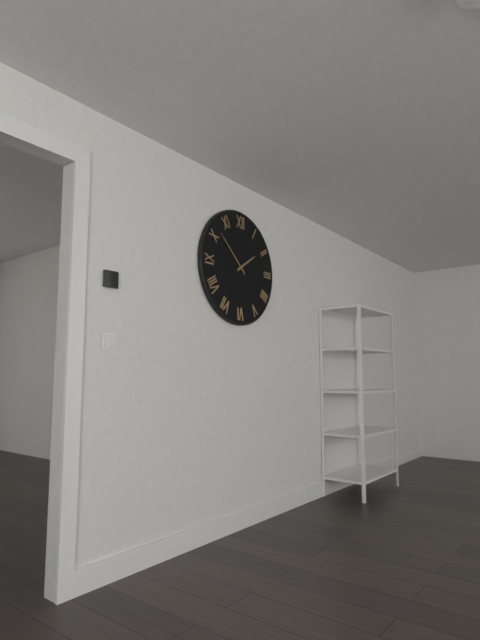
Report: {"hour": 1, "minute": 52}
